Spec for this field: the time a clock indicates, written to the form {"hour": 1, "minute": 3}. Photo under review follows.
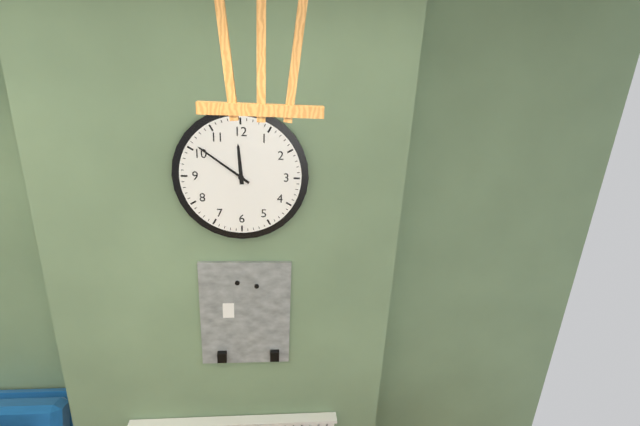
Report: {"hour": 11, "minute": 51}
